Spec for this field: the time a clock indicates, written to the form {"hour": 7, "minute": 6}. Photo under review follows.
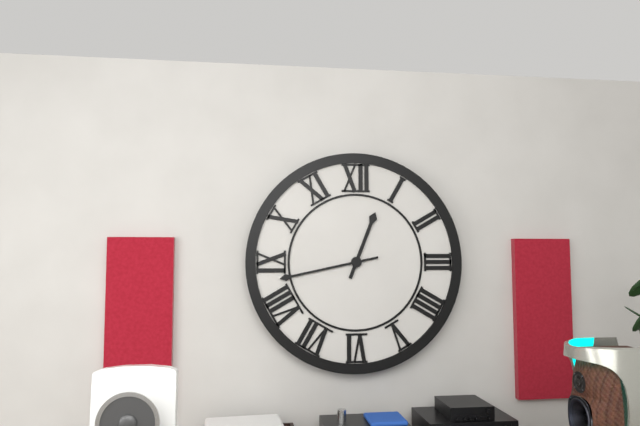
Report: {"hour": 12, "minute": 43}
